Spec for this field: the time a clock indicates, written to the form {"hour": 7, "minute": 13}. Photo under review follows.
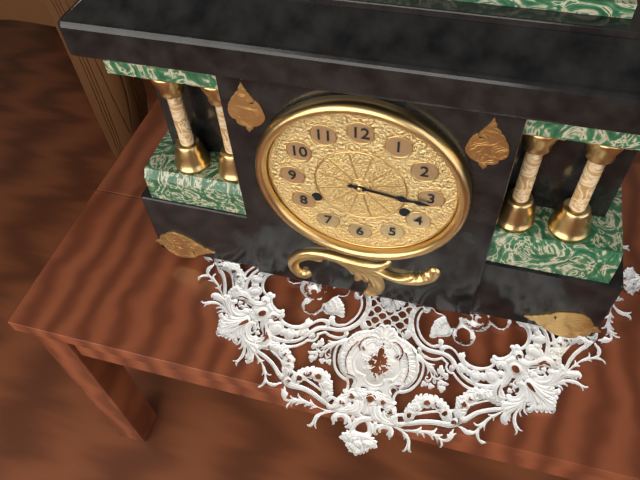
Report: {"hour": 3, "minute": 16}
